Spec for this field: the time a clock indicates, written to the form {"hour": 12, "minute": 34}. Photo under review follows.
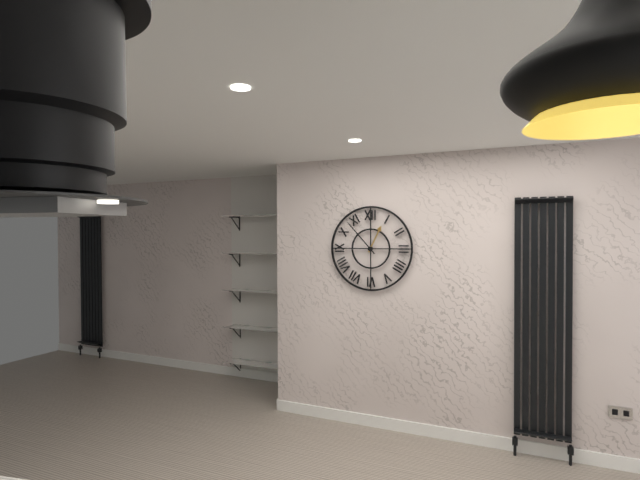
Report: {"hour": 12, "minute": 53}
